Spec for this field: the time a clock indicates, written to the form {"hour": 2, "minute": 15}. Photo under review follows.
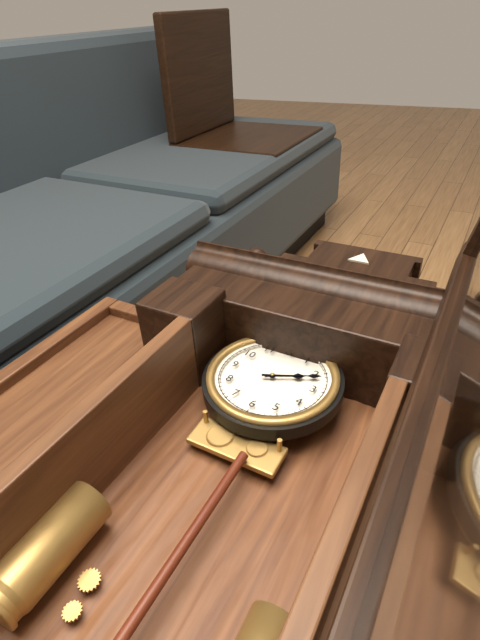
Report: {"hour": 2, "minute": 11}
